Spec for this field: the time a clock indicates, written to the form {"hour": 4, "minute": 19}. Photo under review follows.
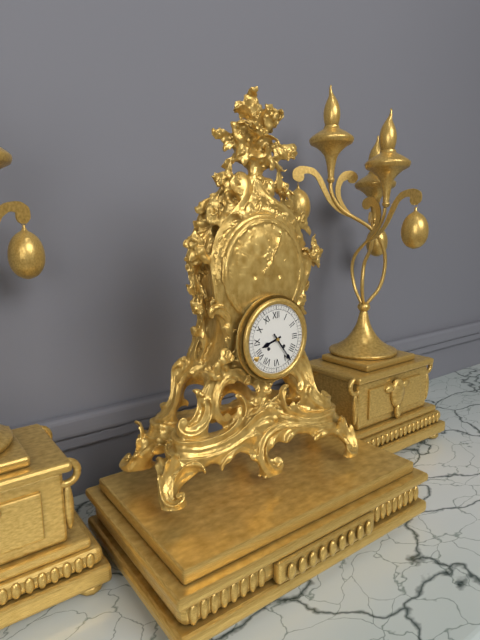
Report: {"hour": 8, "minute": 24}
